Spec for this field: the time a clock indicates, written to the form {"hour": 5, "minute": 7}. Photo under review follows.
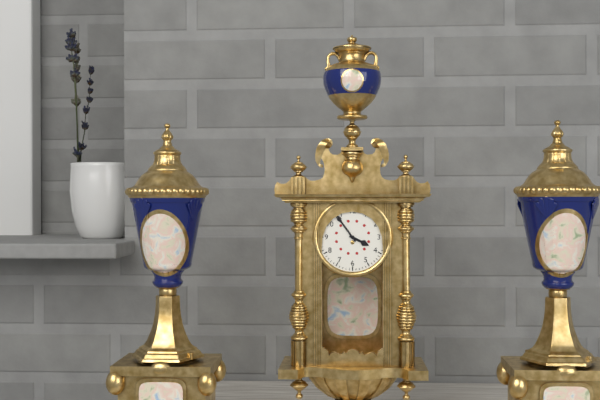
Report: {"hour": 3, "minute": 54}
